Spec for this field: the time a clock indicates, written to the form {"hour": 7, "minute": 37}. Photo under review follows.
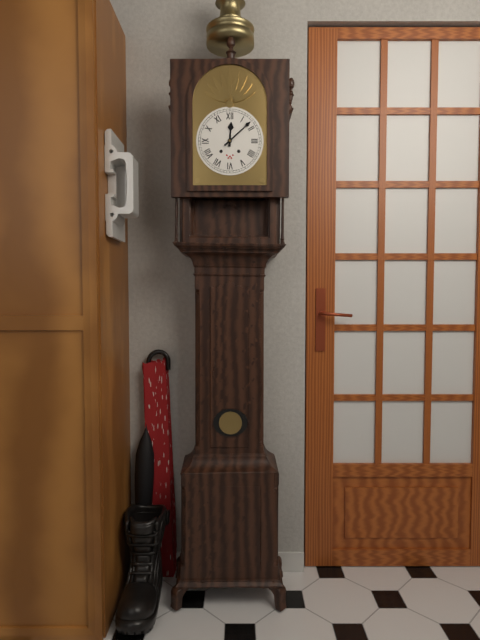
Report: {"hour": 12, "minute": 8}
